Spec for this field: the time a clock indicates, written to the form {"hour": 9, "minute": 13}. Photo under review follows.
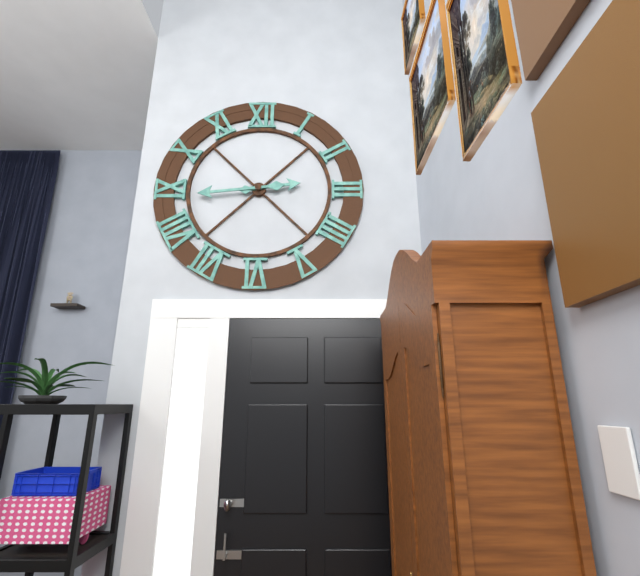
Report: {"hour": 2, "minute": 44}
